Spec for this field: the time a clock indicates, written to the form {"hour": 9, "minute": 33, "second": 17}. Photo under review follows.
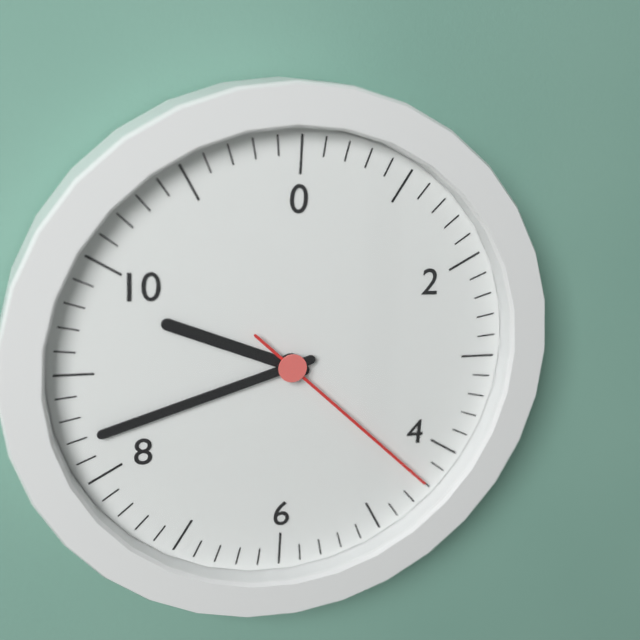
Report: {"hour": 9, "minute": 42, "second": 22}
